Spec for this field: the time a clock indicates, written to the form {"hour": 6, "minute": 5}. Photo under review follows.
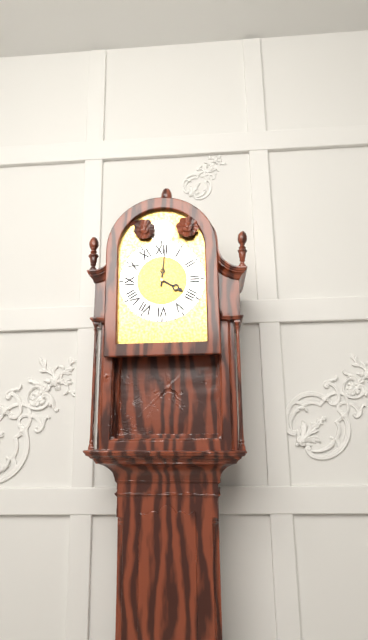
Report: {"hour": 4, "minute": 1}
